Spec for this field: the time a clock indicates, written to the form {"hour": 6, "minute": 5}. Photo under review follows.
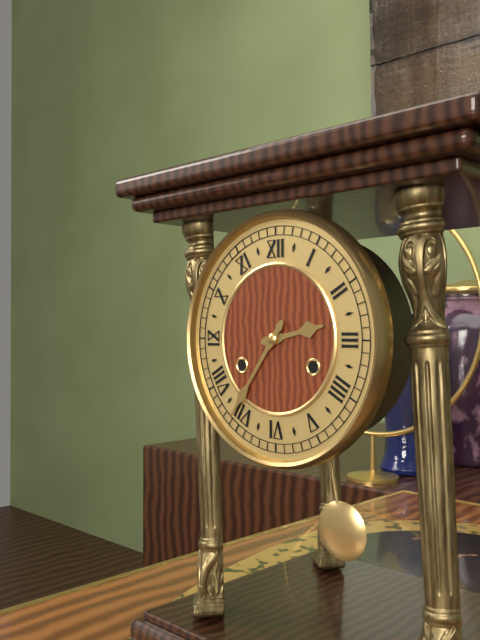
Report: {"hour": 2, "minute": 36}
